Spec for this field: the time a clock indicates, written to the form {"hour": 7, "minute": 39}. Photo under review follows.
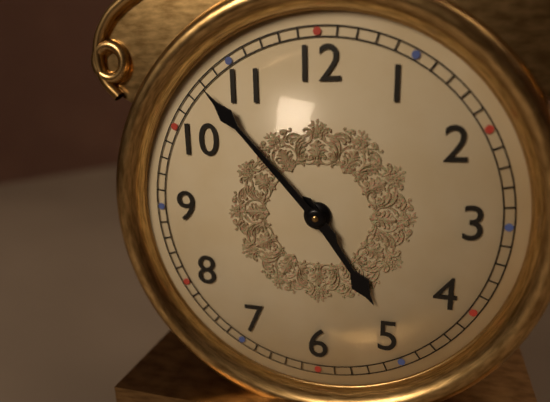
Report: {"hour": 4, "minute": 53}
